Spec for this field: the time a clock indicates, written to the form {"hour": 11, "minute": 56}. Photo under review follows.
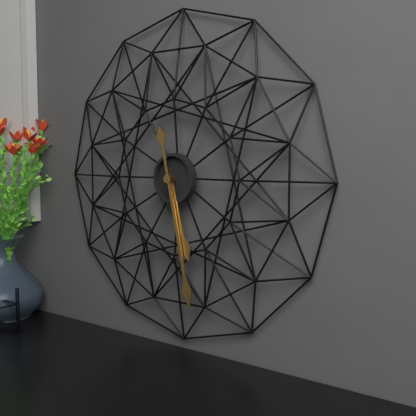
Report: {"hour": 5, "minute": 28}
